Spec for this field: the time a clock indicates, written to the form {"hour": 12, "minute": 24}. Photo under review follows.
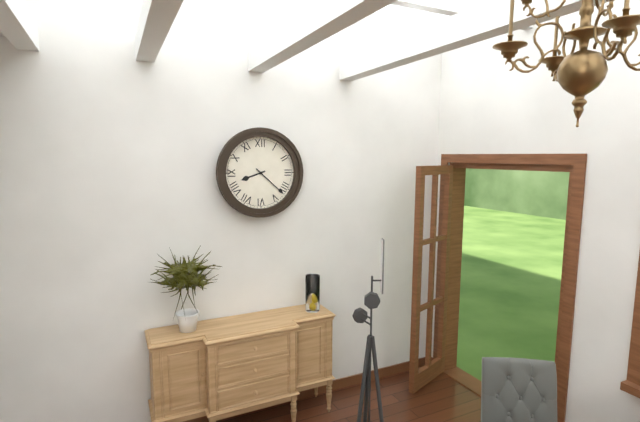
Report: {"hour": 8, "minute": 22}
